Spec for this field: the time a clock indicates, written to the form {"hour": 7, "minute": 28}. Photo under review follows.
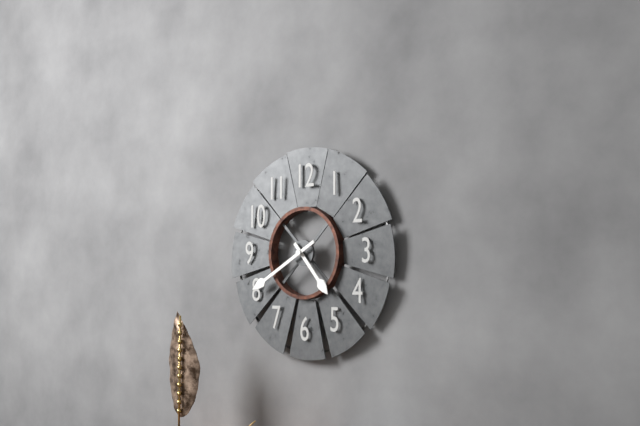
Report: {"hour": 4, "minute": 40}
